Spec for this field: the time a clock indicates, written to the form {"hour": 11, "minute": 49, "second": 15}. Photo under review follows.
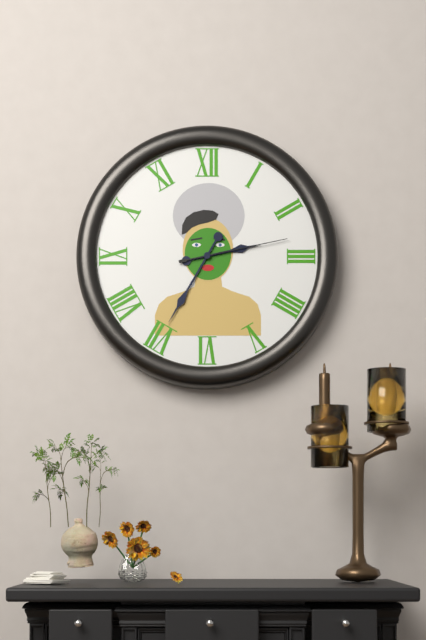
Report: {"hour": 2, "minute": 35, "second": 13}
